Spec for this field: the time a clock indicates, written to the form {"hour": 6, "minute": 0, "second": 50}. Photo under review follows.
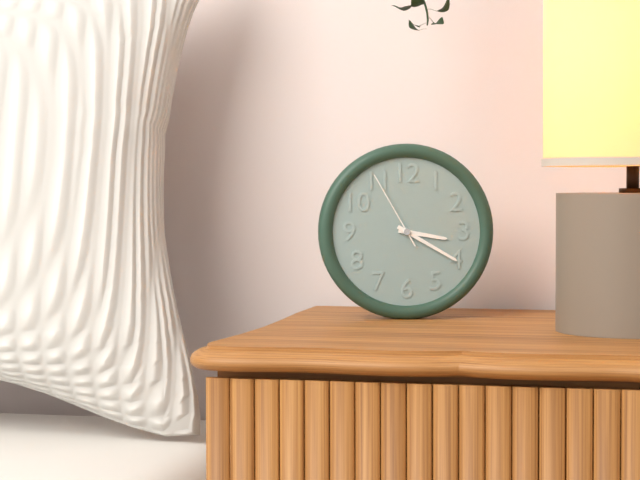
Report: {"hour": 3, "minute": 20, "second": 55}
